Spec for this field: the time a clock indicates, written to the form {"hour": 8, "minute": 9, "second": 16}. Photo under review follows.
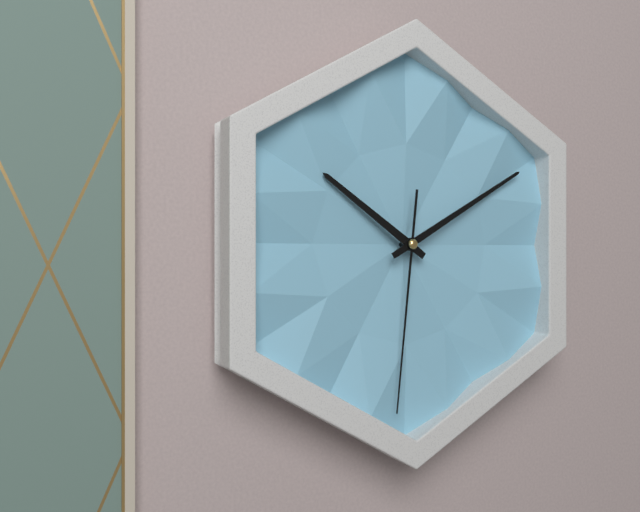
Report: {"hour": 10, "minute": 10, "second": 31}
